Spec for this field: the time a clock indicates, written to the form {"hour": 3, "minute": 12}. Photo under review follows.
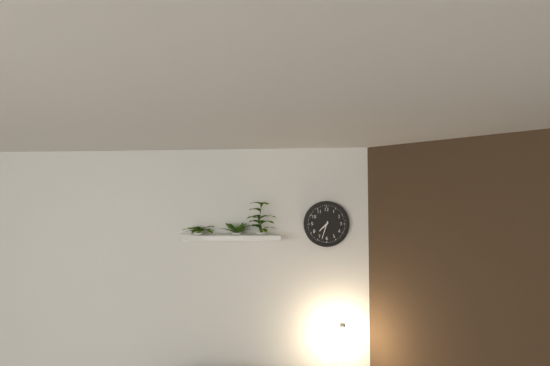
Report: {"hour": 7, "minute": 33}
